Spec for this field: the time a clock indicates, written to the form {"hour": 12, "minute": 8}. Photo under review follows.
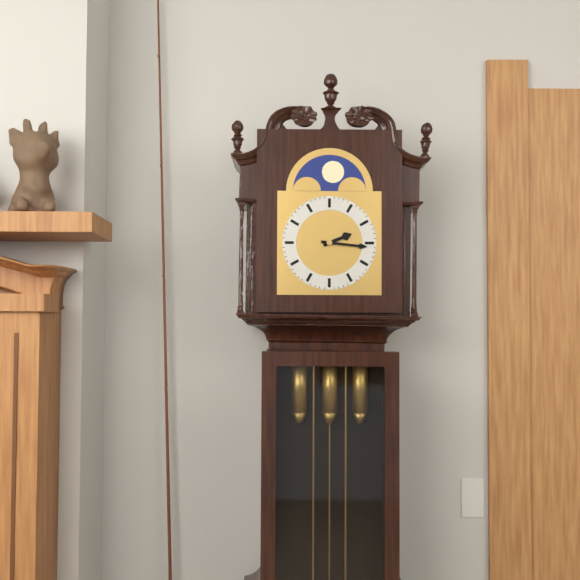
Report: {"hour": 2, "minute": 16}
